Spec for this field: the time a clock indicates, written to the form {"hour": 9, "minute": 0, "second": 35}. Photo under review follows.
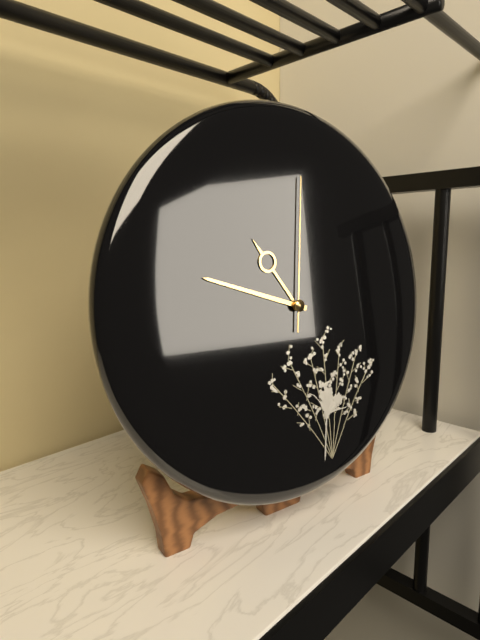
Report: {"hour": 10, "minute": 48, "second": 1}
